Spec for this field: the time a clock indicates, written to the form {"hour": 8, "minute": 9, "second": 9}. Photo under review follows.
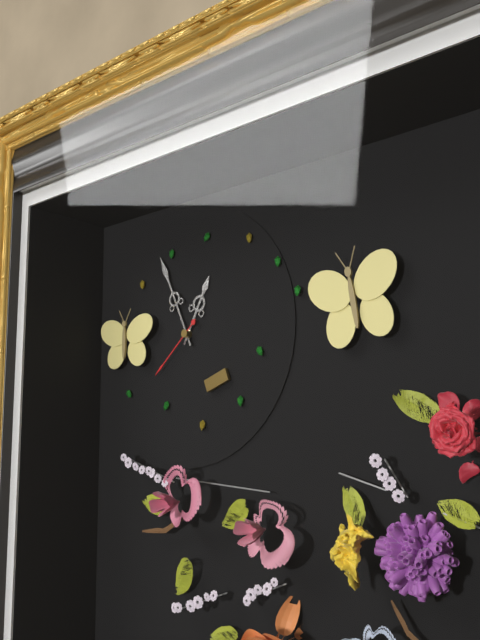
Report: {"hour": 12, "minute": 56, "second": 38}
